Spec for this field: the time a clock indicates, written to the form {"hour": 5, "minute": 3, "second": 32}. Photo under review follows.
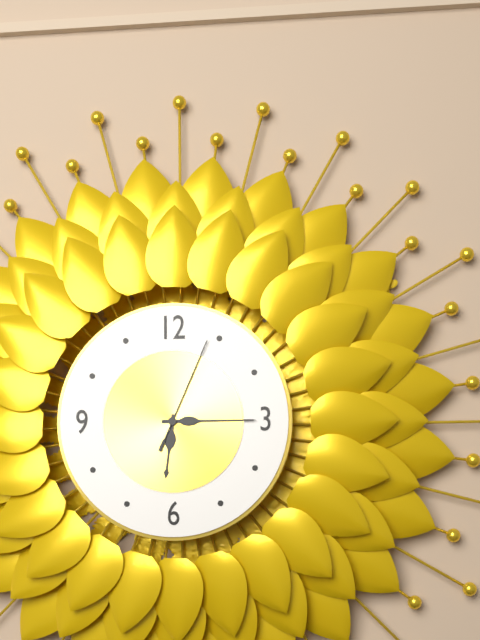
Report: {"hour": 6, "minute": 15, "second": 4}
